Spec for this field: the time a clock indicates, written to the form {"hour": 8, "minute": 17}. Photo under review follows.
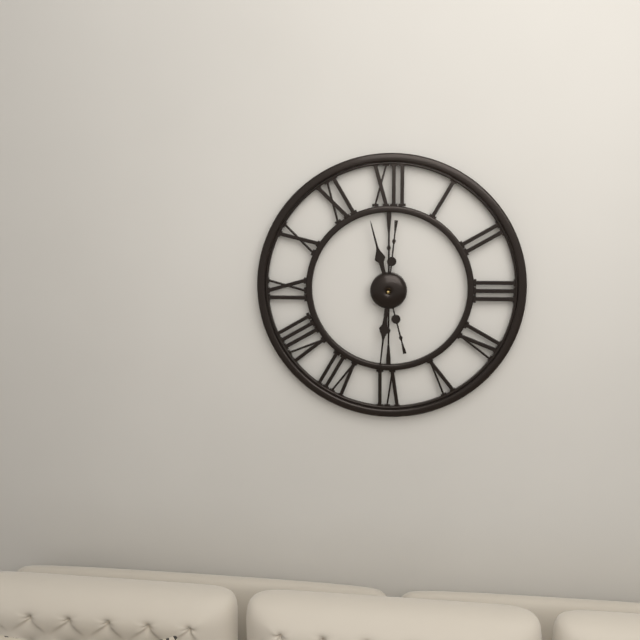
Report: {"hour": 11, "minute": 31}
